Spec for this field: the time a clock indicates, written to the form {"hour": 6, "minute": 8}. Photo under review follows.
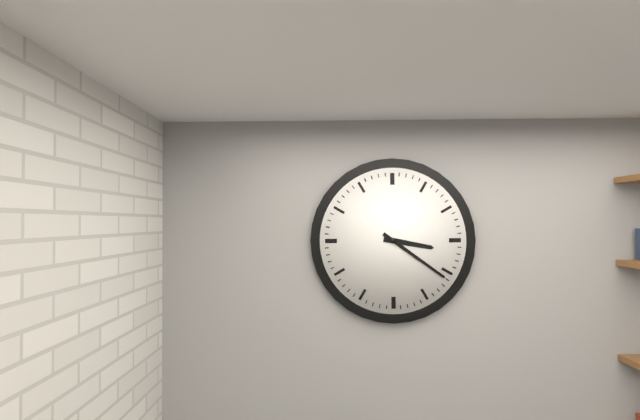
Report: {"hour": 3, "minute": 21}
